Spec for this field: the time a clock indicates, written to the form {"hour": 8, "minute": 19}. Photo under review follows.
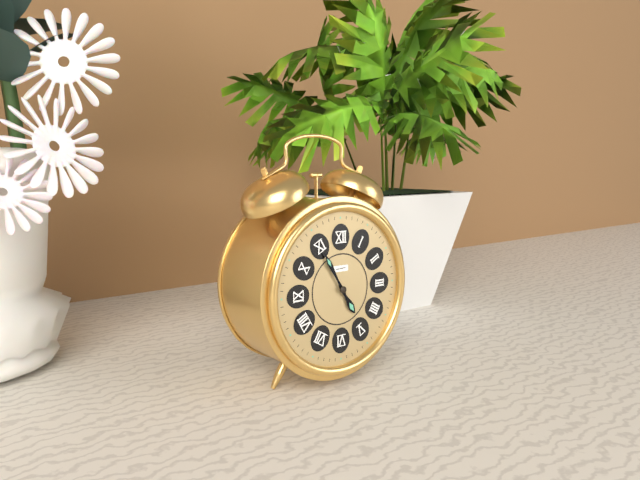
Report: {"hour": 4, "minute": 55}
